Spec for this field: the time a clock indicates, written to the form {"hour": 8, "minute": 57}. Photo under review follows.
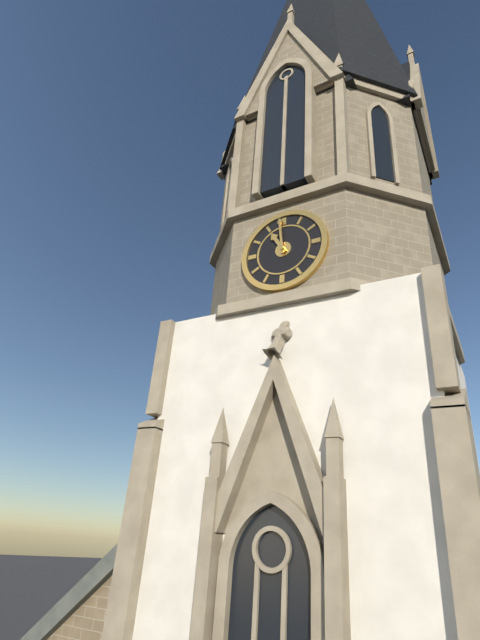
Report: {"hour": 10, "minute": 59}
